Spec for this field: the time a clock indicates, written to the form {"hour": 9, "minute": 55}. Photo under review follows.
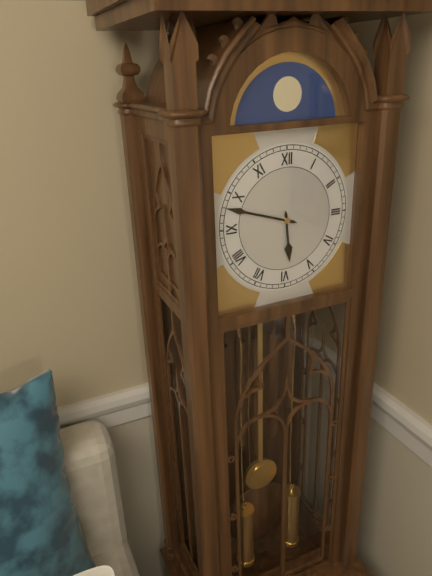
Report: {"hour": 5, "minute": 48}
